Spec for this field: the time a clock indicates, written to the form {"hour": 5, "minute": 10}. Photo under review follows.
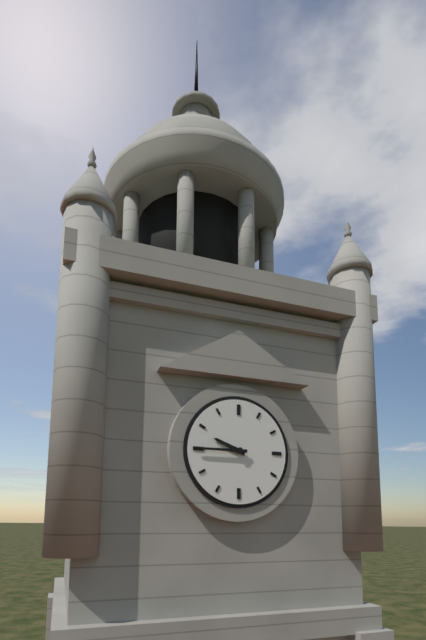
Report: {"hour": 9, "minute": 45}
